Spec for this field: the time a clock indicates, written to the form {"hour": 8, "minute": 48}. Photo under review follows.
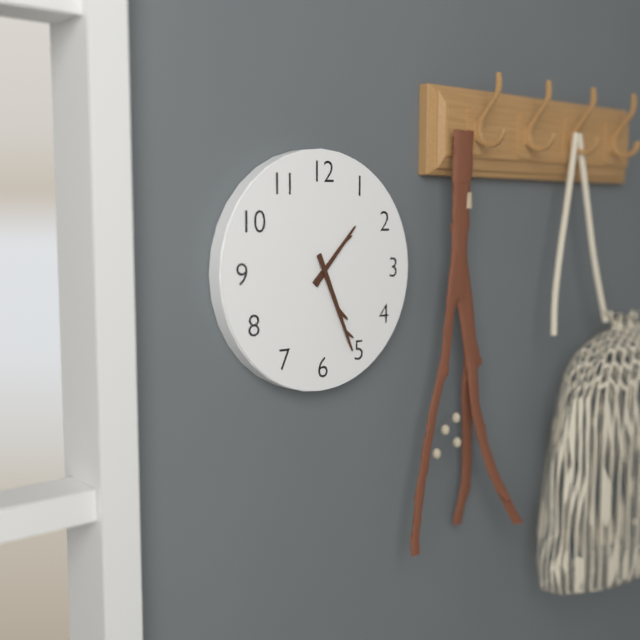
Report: {"hour": 1, "minute": 26}
